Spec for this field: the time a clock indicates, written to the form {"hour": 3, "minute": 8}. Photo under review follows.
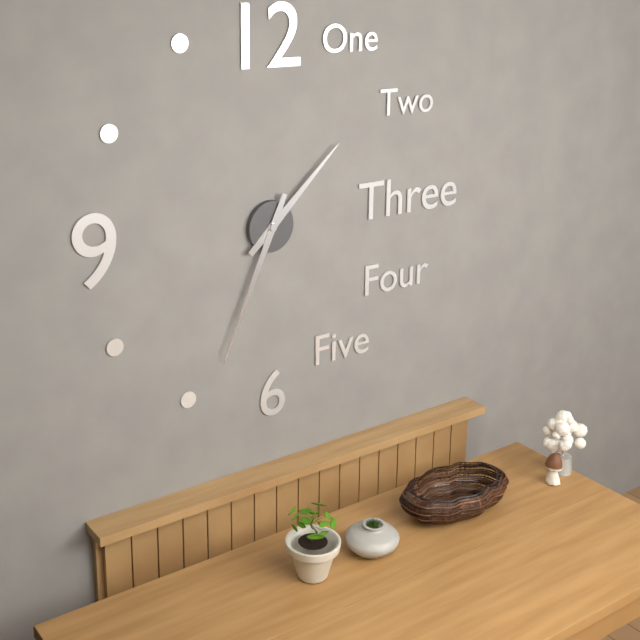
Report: {"hour": 1, "minute": 34}
